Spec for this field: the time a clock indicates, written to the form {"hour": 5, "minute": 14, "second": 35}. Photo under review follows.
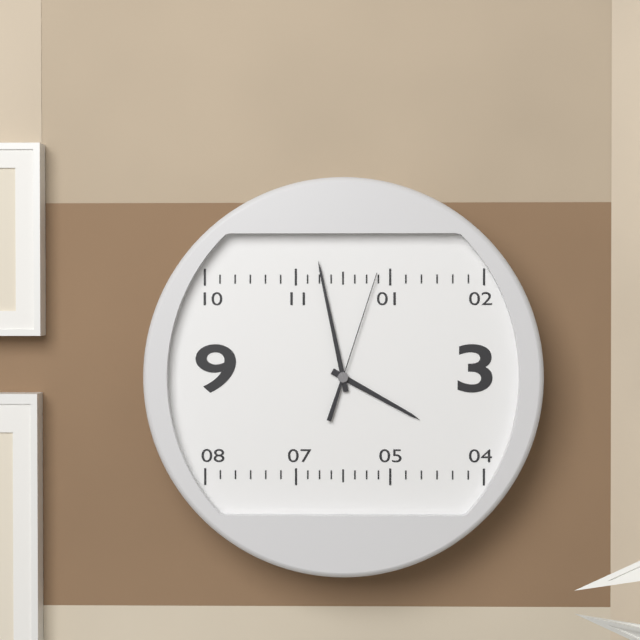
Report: {"hour": 3, "minute": 58, "second": 3}
